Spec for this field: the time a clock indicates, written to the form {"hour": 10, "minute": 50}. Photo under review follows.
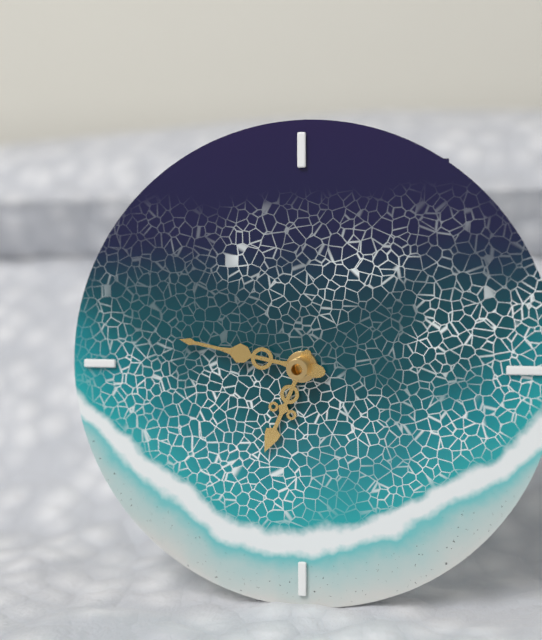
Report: {"hour": 6, "minute": 47}
